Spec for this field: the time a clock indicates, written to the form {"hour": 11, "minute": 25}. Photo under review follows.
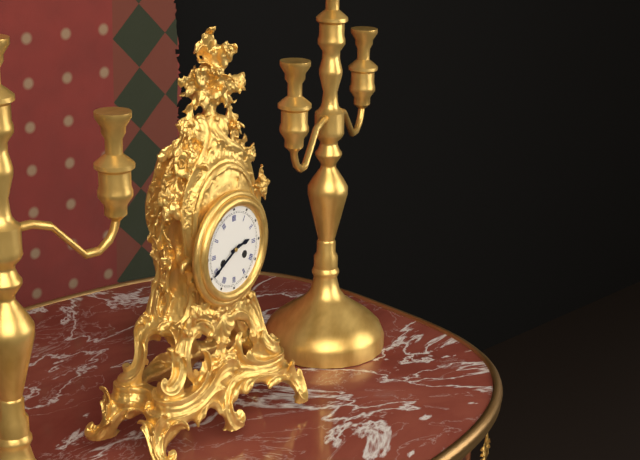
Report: {"hour": 2, "minute": 40}
